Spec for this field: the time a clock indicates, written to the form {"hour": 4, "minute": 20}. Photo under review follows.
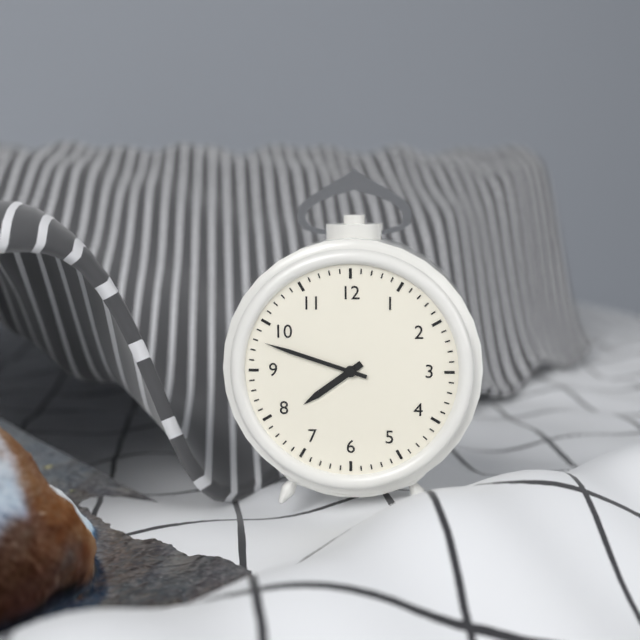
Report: {"hour": 7, "minute": 48}
